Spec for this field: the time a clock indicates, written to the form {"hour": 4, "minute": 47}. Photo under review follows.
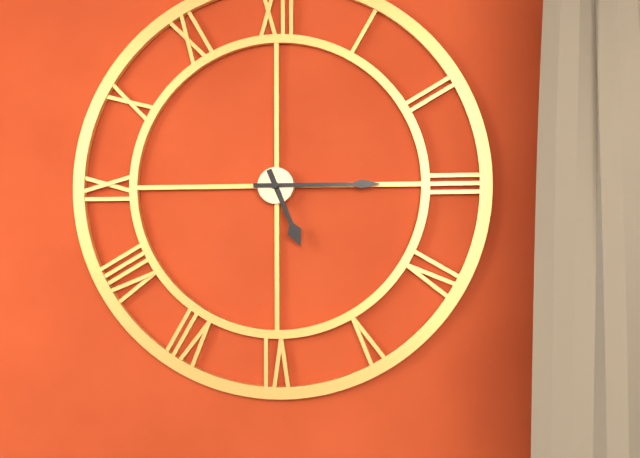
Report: {"hour": 5, "minute": 15}
